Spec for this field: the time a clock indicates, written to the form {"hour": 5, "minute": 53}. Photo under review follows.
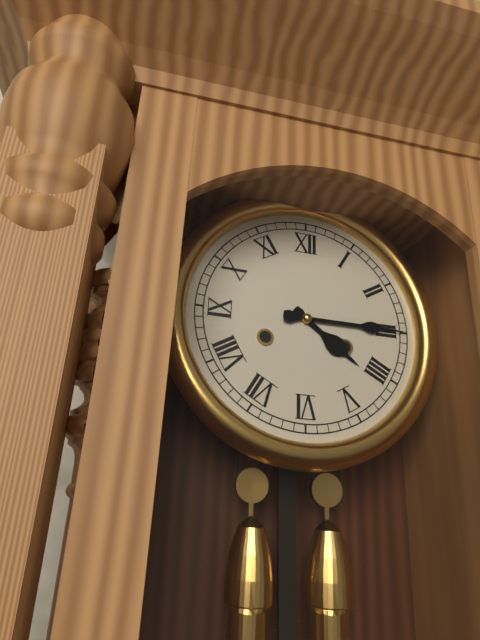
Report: {"hour": 4, "minute": 15}
